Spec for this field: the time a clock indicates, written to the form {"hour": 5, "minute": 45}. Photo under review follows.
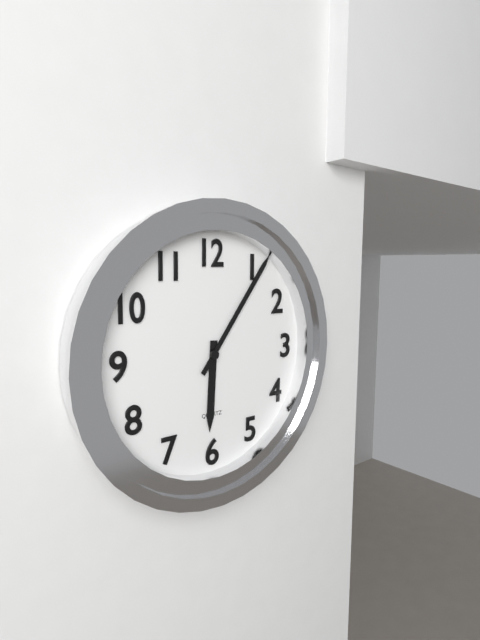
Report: {"hour": 6, "minute": 6}
